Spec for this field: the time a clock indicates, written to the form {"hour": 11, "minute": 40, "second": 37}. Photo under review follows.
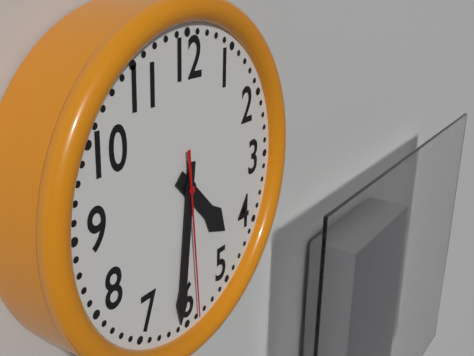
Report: {"hour": 4, "minute": 31, "second": 29}
